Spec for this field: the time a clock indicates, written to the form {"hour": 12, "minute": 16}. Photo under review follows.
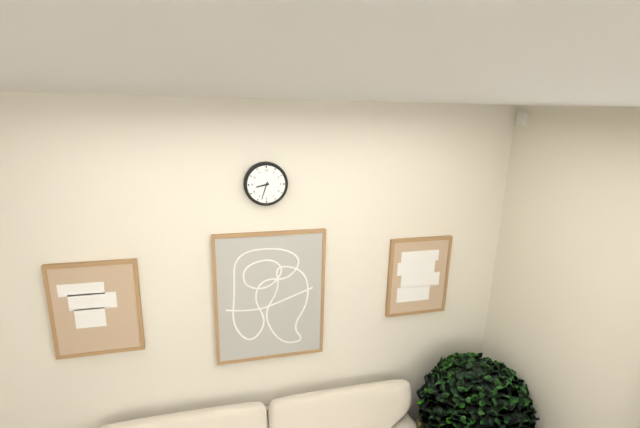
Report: {"hour": 8, "minute": 33}
